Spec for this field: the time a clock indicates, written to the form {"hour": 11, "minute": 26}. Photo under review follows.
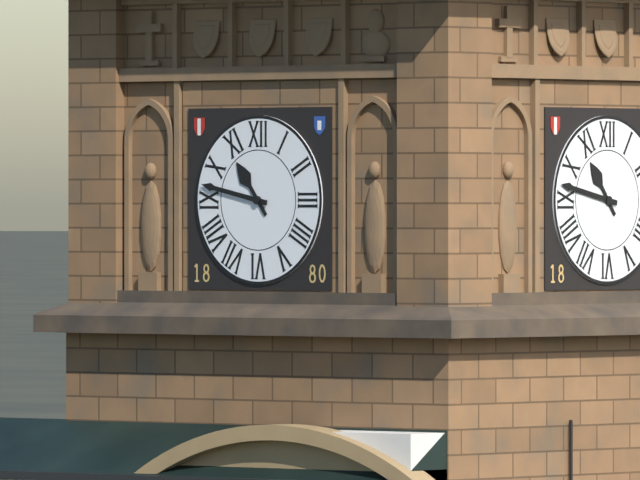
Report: {"hour": 10, "minute": 47}
